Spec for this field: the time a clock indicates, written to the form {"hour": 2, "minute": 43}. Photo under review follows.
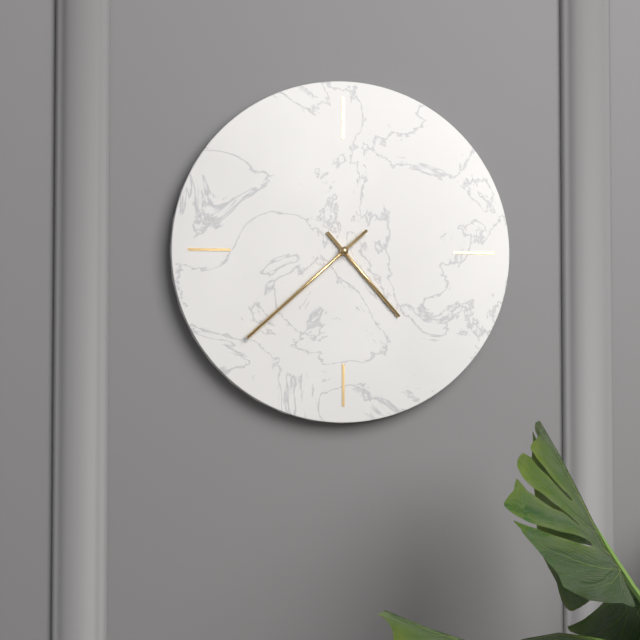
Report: {"hour": 4, "minute": 38}
